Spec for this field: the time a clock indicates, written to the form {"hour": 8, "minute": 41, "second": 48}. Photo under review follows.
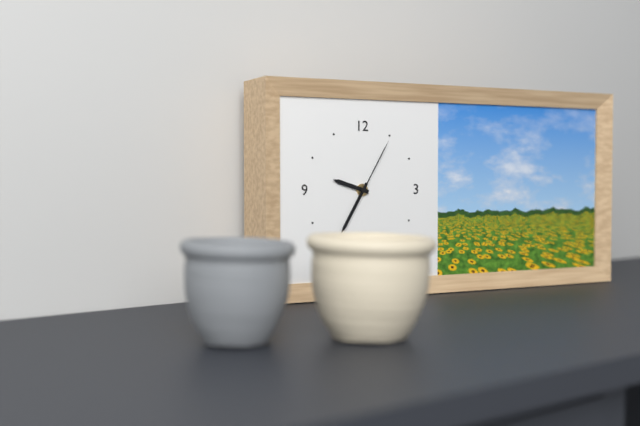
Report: {"hour": 9, "minute": 35, "second": 5}
